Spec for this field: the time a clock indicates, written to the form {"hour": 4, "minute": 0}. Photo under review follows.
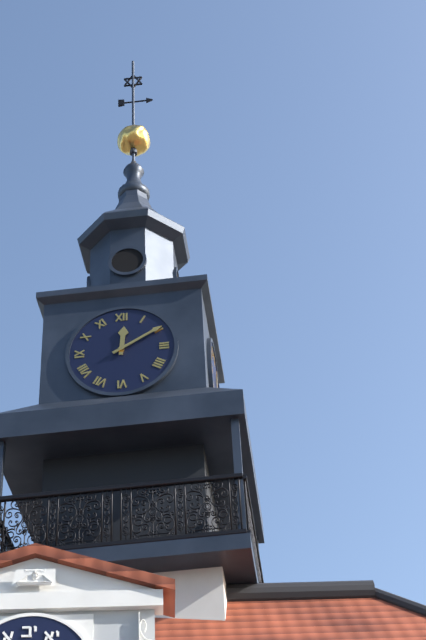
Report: {"hour": 12, "minute": 10}
